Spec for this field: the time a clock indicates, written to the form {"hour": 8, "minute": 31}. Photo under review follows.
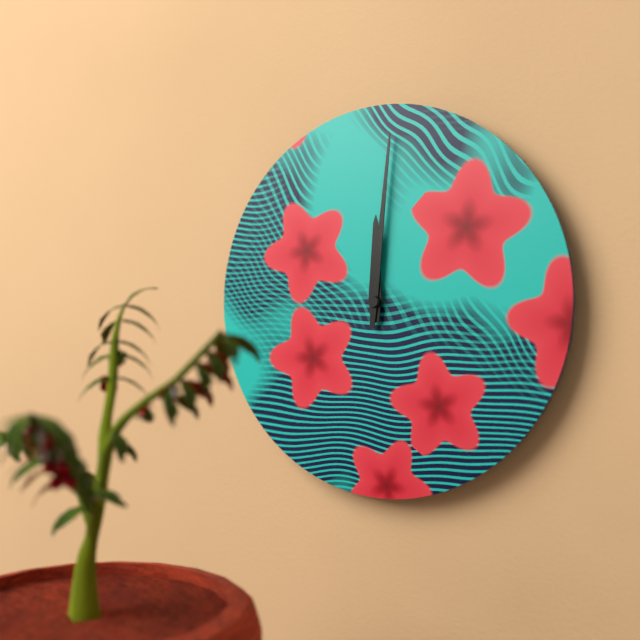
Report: {"hour": 12, "minute": 1}
